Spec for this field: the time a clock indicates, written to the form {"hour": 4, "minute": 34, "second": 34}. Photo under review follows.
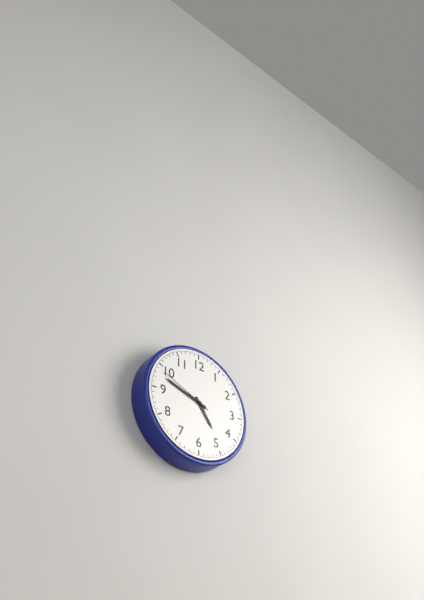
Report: {"hour": 4, "minute": 48, "second": 49}
